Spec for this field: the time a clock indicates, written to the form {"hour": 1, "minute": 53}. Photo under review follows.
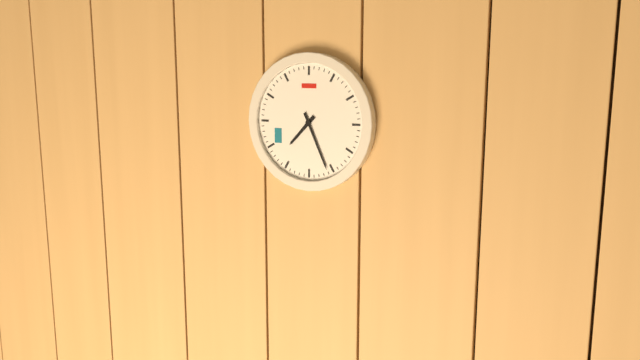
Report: {"hour": 7, "minute": 26}
